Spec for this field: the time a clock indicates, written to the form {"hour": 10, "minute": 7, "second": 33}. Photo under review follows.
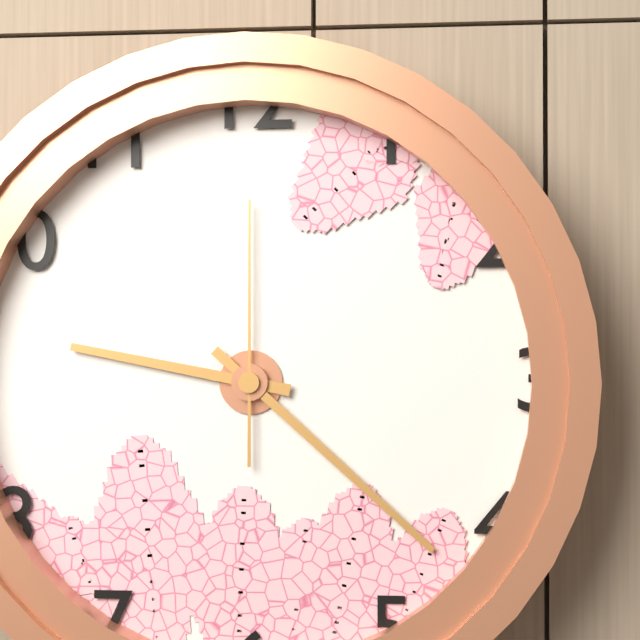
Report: {"hour": 9, "minute": 22, "second": 0}
